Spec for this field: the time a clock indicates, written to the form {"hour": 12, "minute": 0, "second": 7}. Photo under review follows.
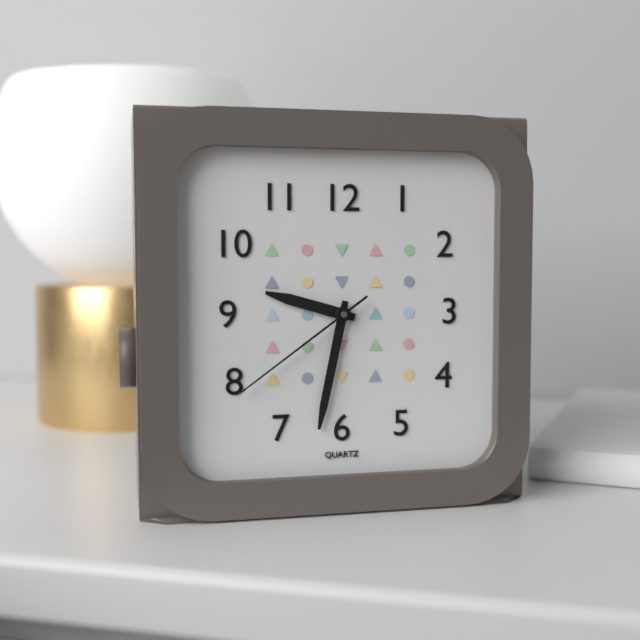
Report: {"hour": 9, "minute": 32, "second": 39}
